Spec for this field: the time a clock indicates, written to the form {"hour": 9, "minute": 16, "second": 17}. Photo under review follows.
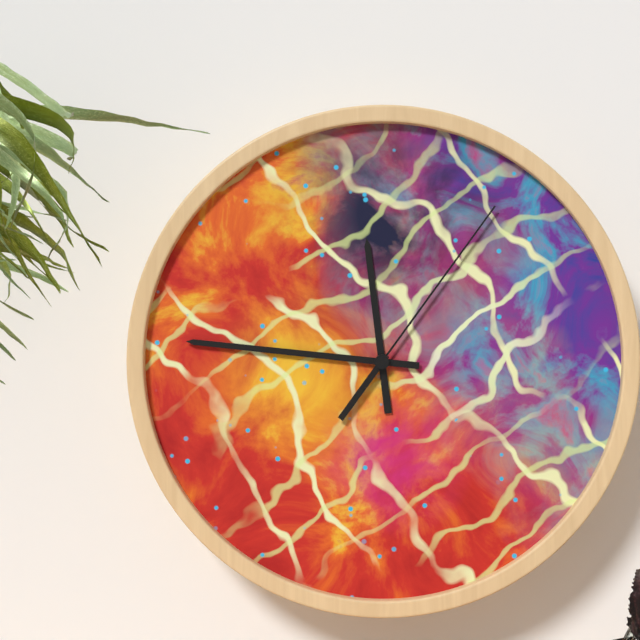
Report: {"hour": 11, "minute": 46, "second": 6}
